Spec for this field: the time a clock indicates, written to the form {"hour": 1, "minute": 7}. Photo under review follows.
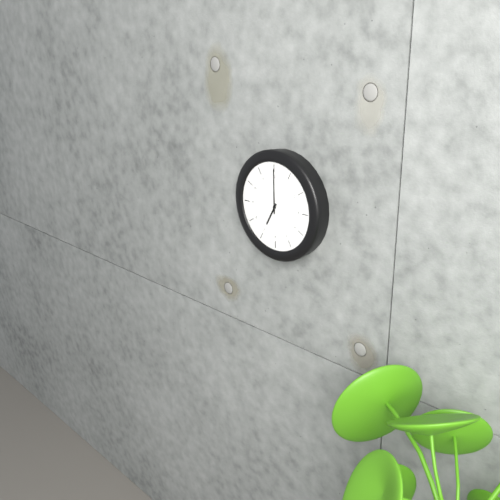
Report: {"hour": 7, "minute": 0}
